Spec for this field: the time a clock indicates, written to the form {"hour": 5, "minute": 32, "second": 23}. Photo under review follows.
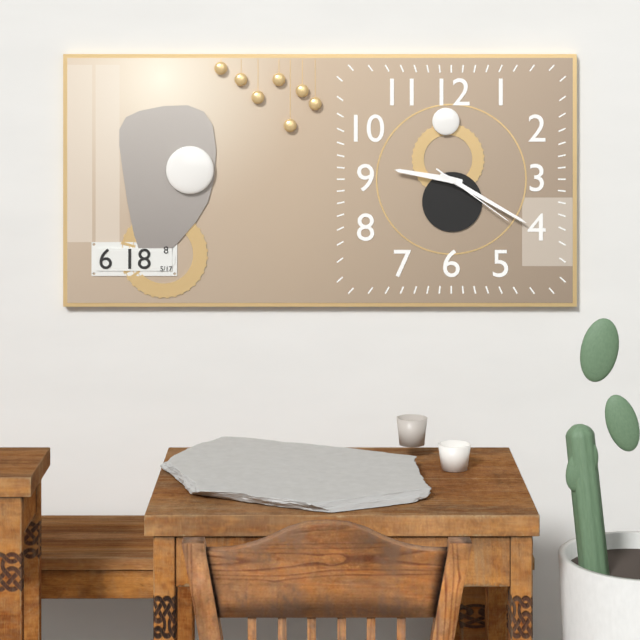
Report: {"hour": 9, "minute": 20, "second": 21}
